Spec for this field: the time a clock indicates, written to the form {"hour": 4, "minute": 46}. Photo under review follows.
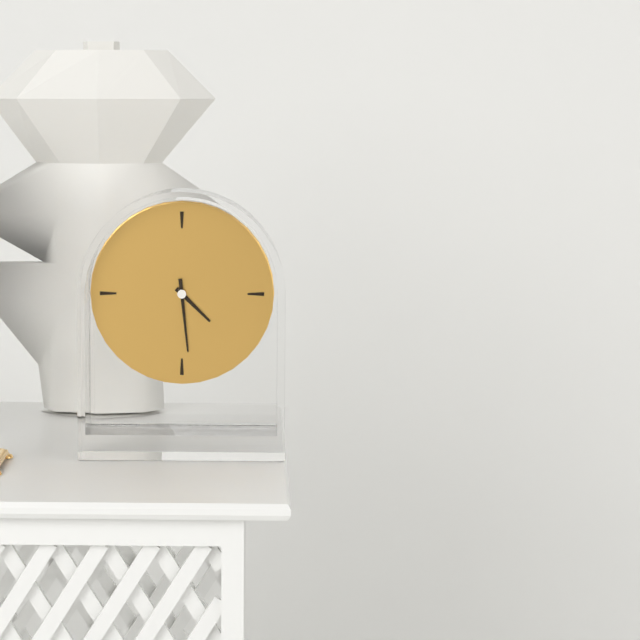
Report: {"hour": 4, "minute": 29}
